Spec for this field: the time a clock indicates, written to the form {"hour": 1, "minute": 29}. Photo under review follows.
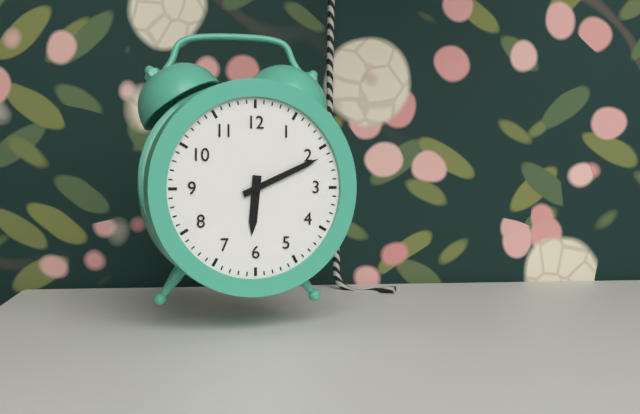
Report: {"hour": 6, "minute": 11}
